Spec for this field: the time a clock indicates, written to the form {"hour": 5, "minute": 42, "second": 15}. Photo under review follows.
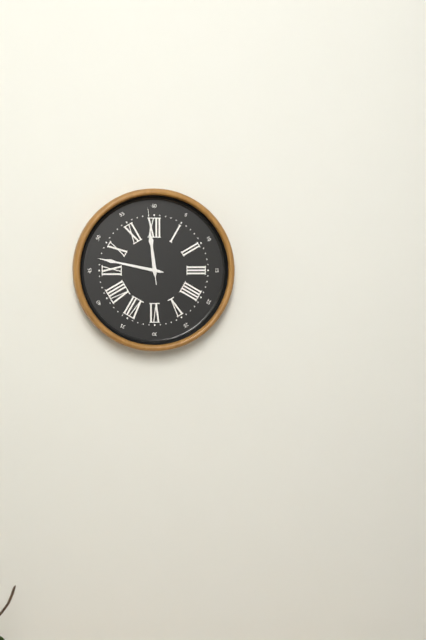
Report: {"hour": 11, "minute": 47, "second": 59}
